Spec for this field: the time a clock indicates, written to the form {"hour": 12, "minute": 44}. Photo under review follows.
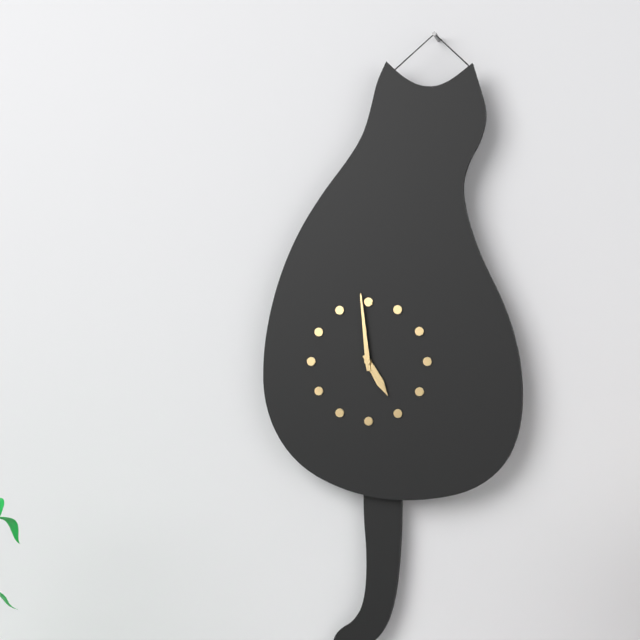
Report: {"hour": 4, "minute": 59}
